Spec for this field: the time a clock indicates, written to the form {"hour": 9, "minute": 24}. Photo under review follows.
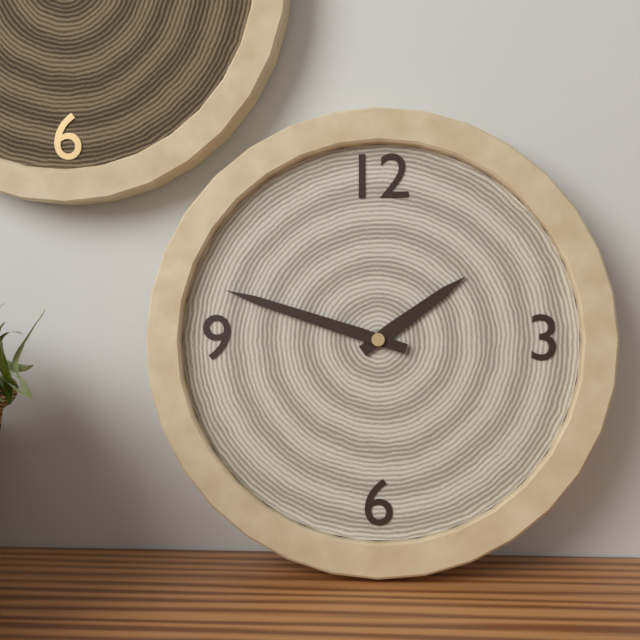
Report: {"hour": 1, "minute": 48}
